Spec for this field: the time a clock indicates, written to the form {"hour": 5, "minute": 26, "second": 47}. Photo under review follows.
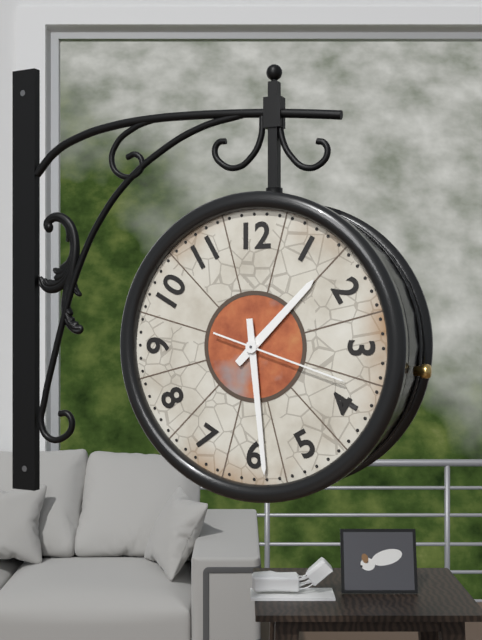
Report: {"hour": 1, "minute": 29, "second": 18}
